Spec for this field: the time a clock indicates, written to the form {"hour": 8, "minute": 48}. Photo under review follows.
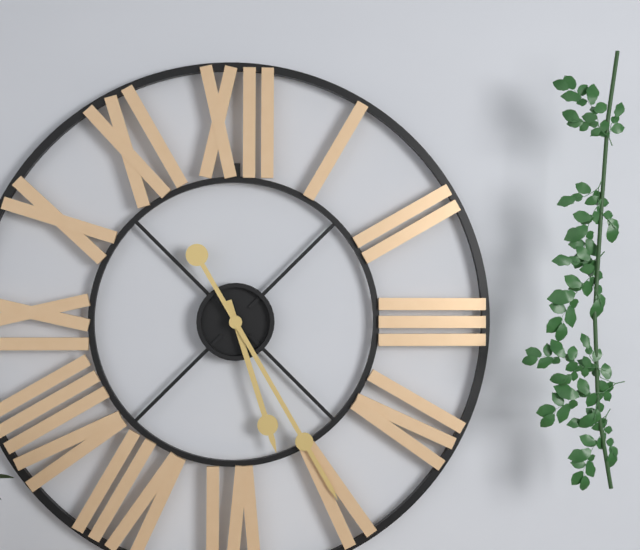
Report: {"hour": 5, "minute": 25}
